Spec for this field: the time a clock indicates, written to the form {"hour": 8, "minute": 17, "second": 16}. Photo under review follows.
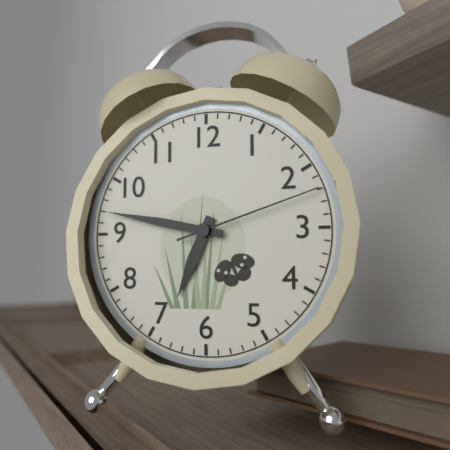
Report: {"hour": 6, "minute": 47, "second": 12}
